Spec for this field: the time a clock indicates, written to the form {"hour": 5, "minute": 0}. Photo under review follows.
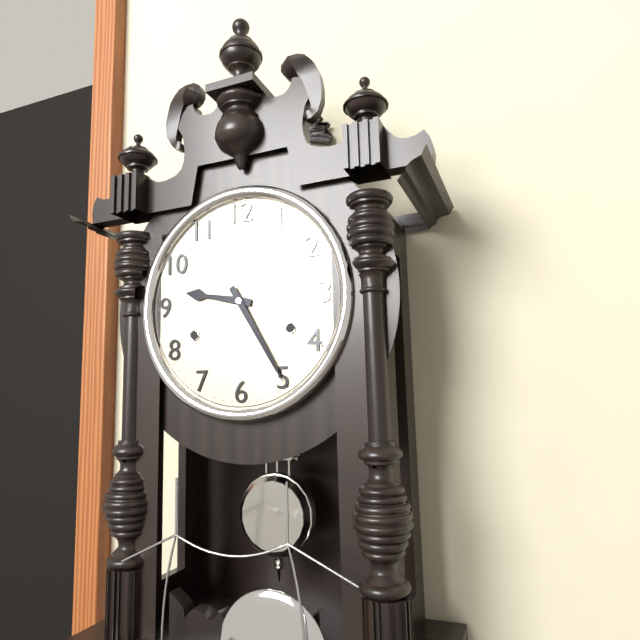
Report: {"hour": 9, "minute": 25}
